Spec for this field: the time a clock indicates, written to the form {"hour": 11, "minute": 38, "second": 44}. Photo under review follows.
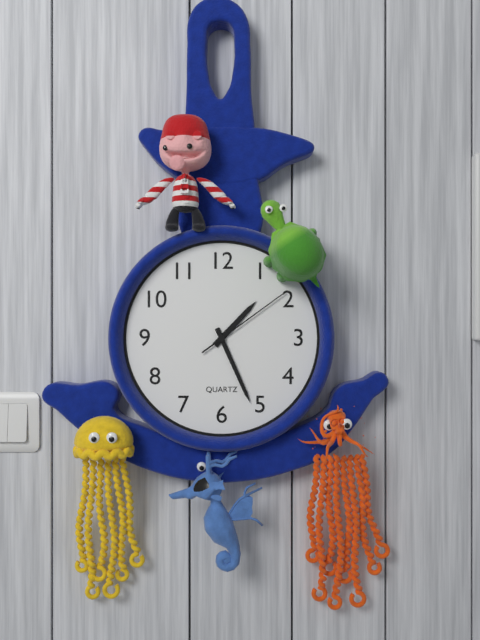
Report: {"hour": 1, "minute": 26, "second": 9}
